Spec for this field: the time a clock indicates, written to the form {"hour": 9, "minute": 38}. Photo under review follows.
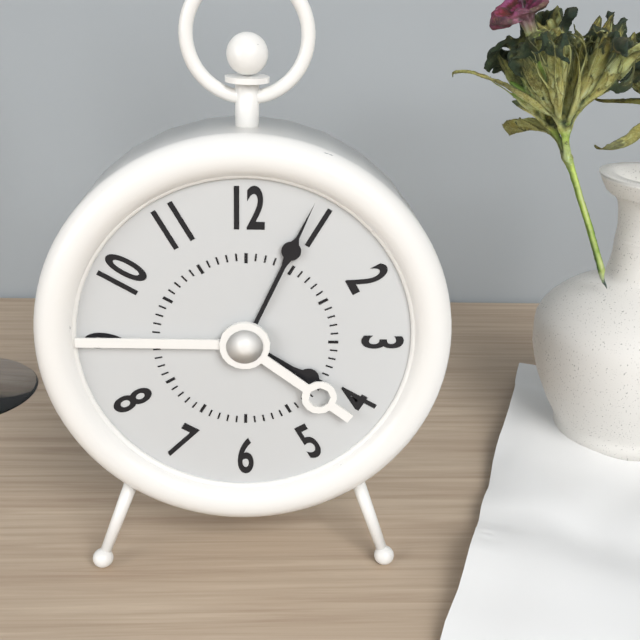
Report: {"hour": 4, "minute": 4}
